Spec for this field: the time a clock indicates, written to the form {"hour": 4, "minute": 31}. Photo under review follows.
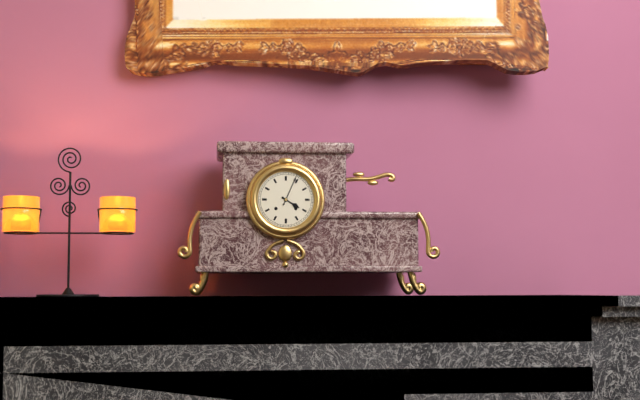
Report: {"hour": 4, "minute": 4}
